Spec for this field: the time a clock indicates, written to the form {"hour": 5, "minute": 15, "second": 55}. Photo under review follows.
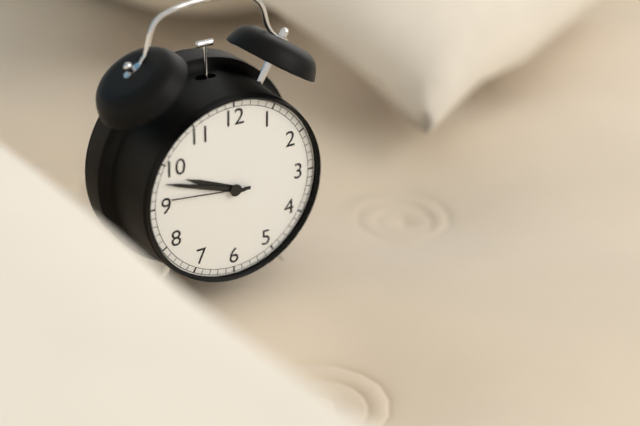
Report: {"hour": 9, "minute": 48, "second": 46}
